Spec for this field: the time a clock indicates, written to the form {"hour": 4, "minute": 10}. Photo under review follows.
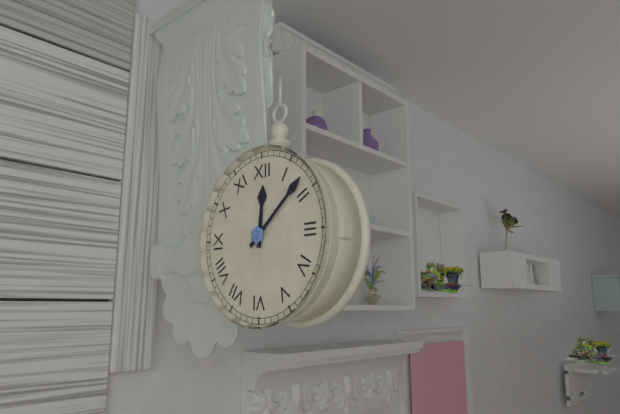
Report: {"hour": 12, "minute": 8}
